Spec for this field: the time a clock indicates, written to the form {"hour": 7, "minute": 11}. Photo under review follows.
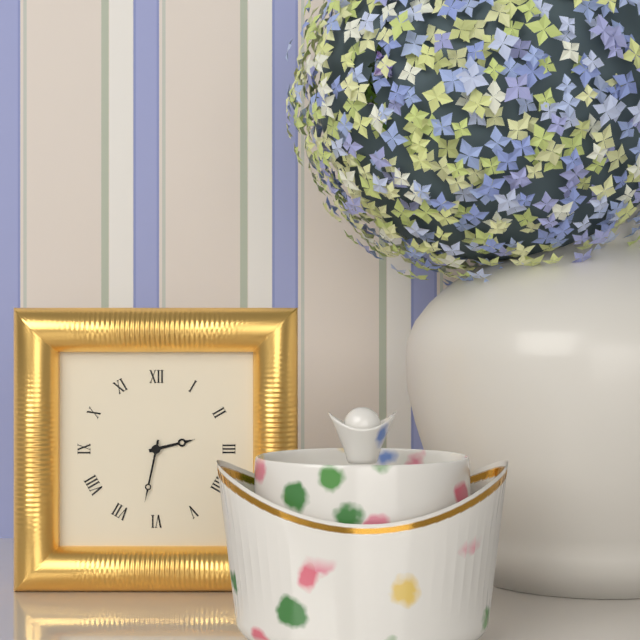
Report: {"hour": 2, "minute": 32}
